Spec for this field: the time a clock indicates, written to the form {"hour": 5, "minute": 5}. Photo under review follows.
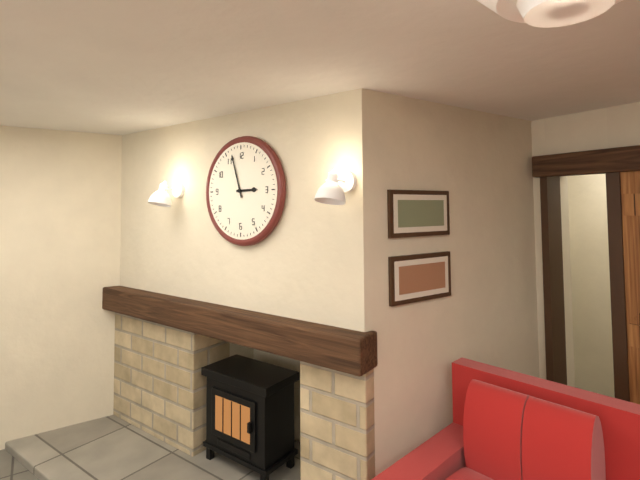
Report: {"hour": 2, "minute": 57}
